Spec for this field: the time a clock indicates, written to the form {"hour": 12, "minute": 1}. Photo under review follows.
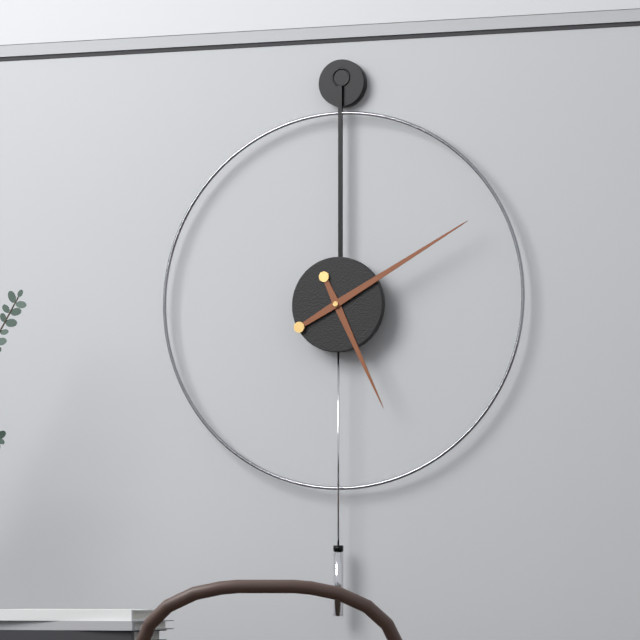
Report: {"hour": 5, "minute": 10}
